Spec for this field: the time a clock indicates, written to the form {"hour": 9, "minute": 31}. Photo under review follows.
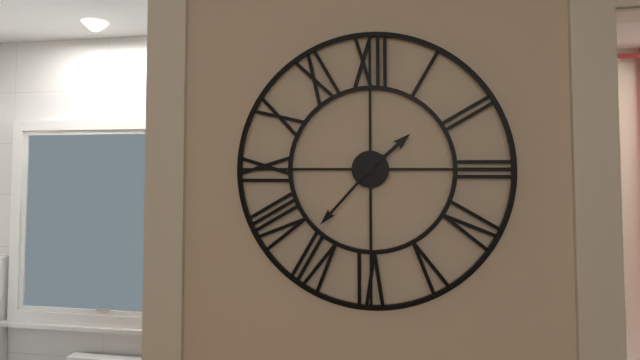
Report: {"hour": 1, "minute": 37}
